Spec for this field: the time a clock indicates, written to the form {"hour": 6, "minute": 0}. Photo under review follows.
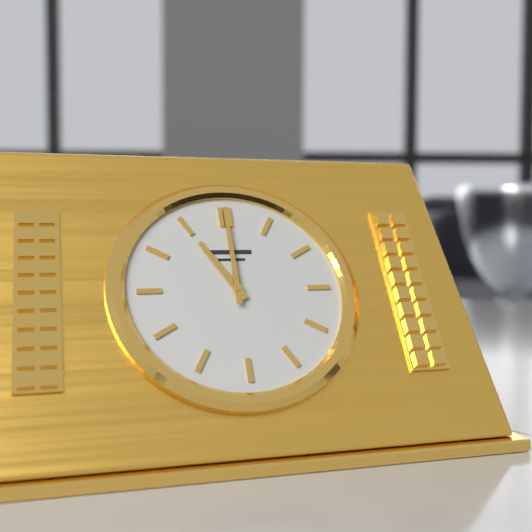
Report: {"hour": 11, "minute": 0}
